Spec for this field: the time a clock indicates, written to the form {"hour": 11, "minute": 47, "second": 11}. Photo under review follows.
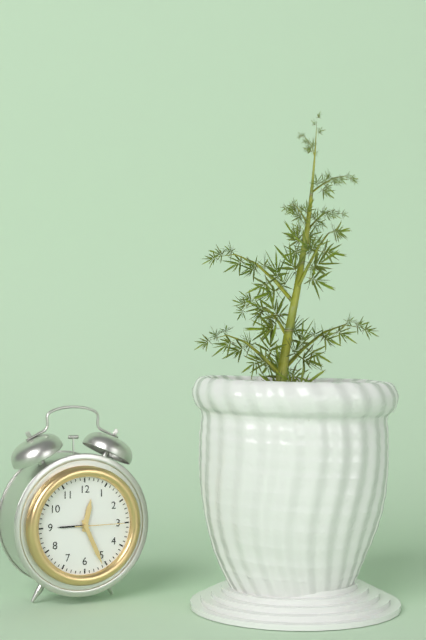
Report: {"hour": 12, "minute": 26, "second": 15}
